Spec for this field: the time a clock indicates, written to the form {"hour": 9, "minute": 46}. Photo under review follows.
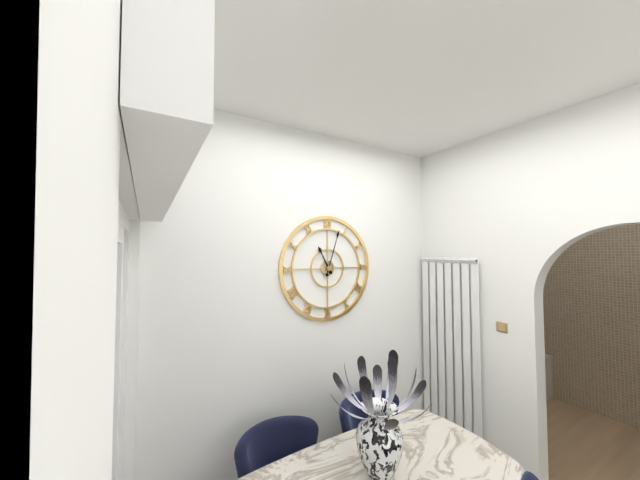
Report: {"hour": 11, "minute": 3}
